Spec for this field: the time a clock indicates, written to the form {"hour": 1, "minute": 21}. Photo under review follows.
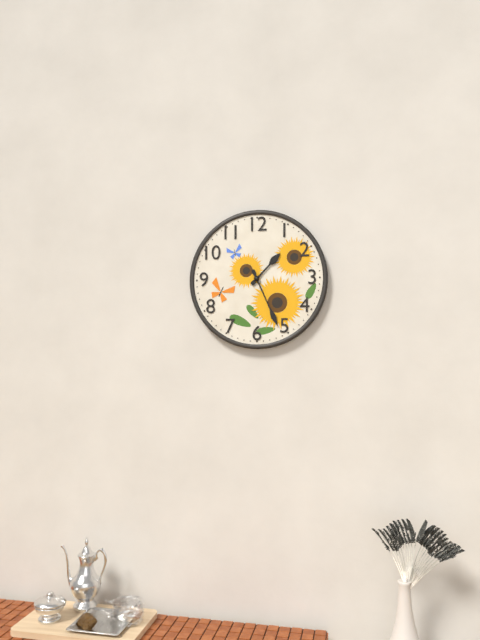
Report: {"hour": 1, "minute": 26}
